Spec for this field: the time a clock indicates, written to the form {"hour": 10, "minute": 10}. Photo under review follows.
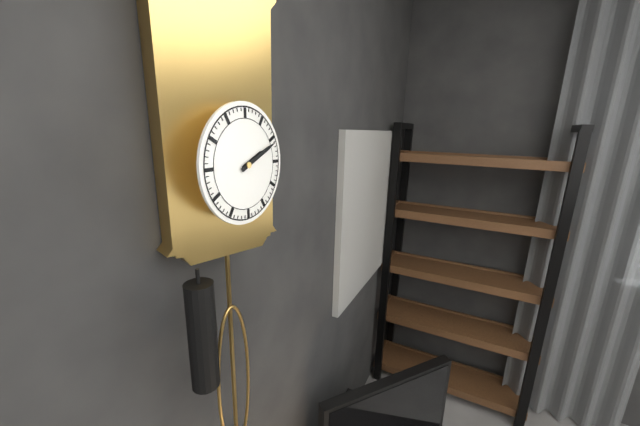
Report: {"hour": 2, "minute": 11}
